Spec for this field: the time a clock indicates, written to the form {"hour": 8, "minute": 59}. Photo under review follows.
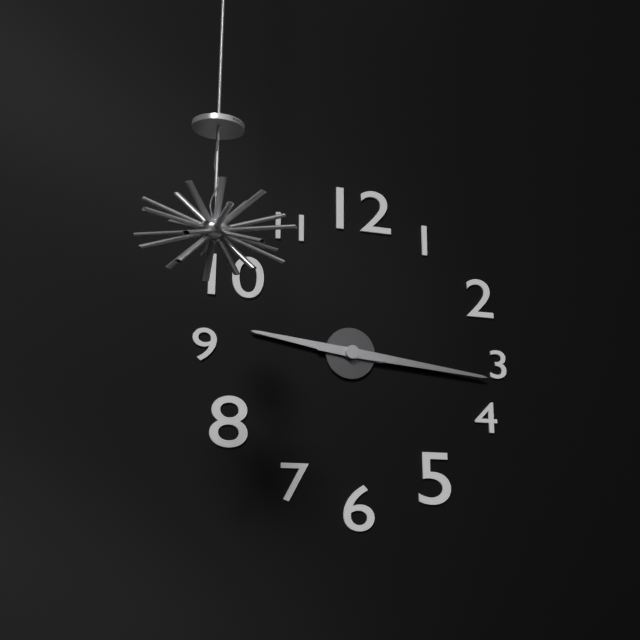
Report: {"hour": 9, "minute": 16}
